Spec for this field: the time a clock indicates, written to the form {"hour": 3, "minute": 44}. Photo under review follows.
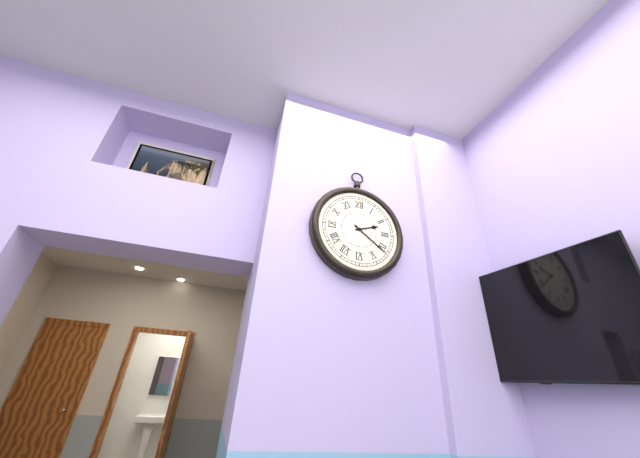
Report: {"hour": 2, "minute": 21}
